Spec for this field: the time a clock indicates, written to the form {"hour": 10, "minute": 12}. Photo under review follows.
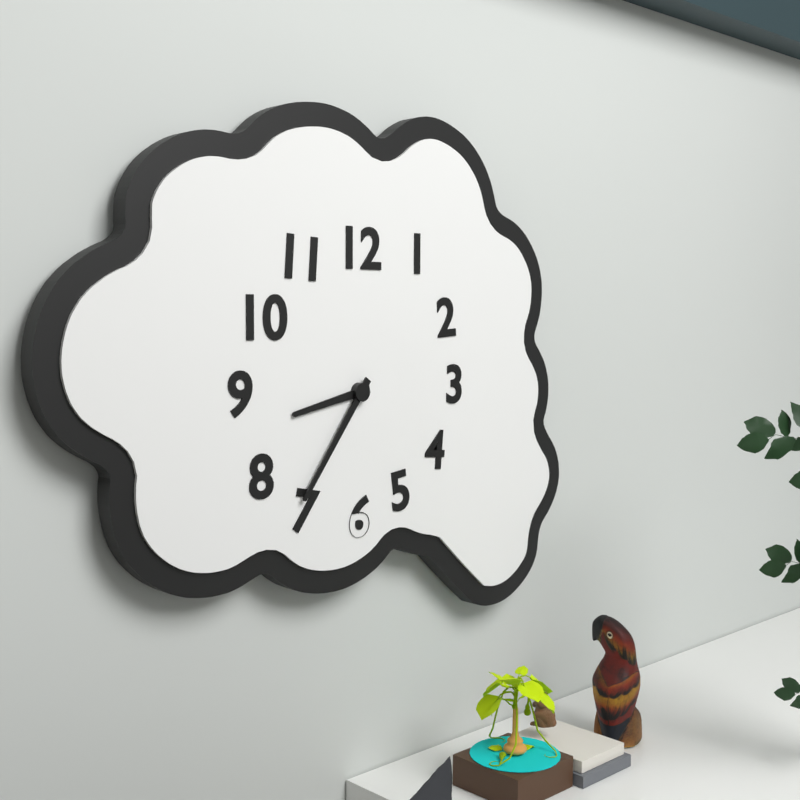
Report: {"hour": 8, "minute": 36}
